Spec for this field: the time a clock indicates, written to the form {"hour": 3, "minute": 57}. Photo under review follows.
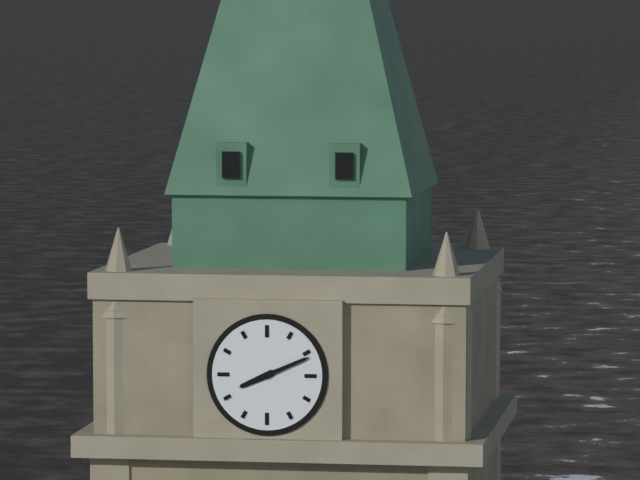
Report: {"hour": 8, "minute": 11}
